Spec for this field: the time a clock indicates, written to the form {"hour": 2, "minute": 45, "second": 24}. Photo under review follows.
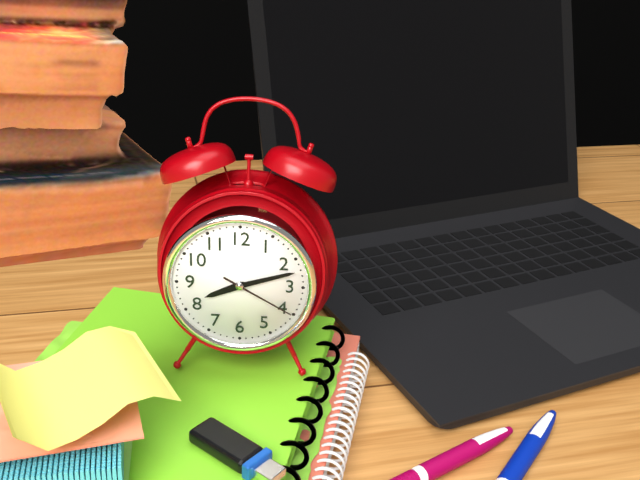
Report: {"hour": 8, "minute": 12, "second": 20}
